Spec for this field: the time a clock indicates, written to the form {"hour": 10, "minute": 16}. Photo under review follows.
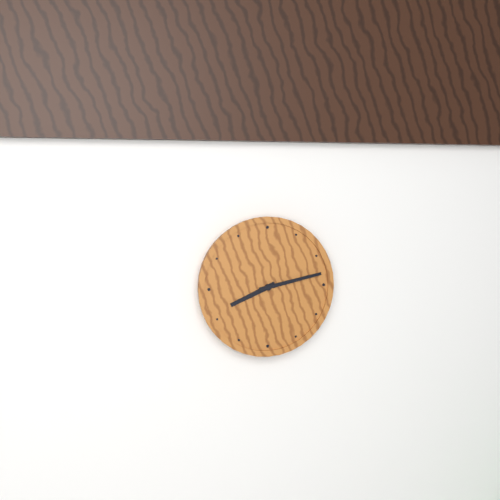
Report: {"hour": 8, "minute": 13}
